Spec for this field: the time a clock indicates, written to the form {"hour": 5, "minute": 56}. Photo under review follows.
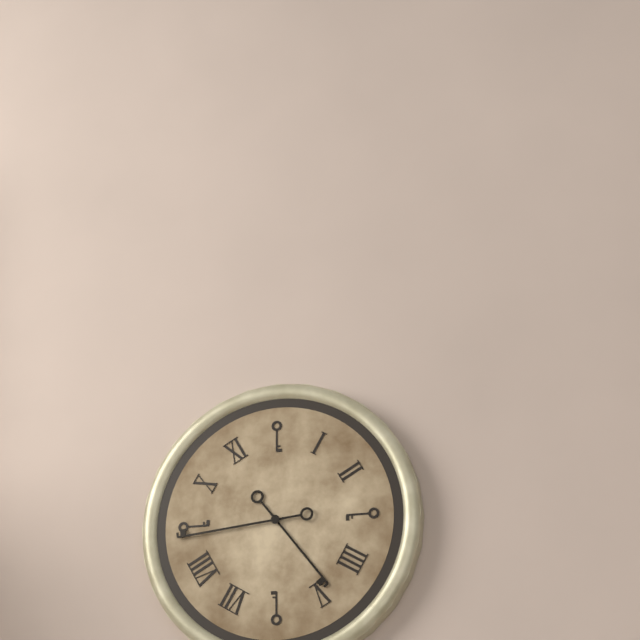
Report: {"hour": 4, "minute": 44}
